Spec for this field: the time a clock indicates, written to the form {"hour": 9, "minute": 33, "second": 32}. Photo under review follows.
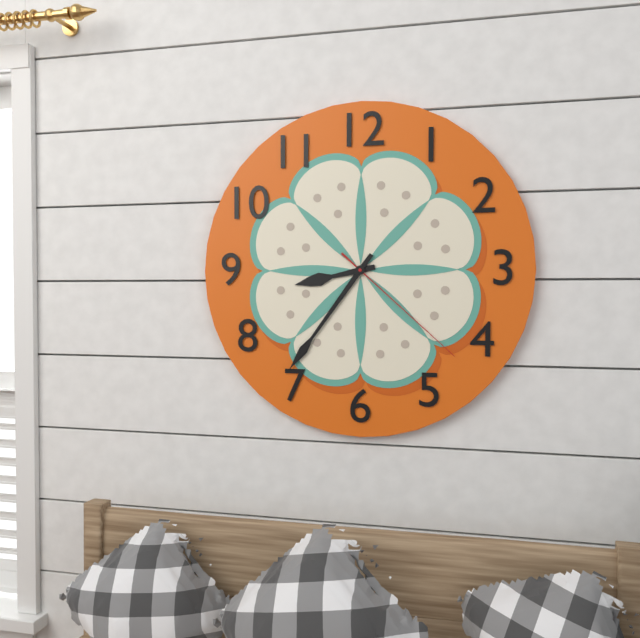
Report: {"hour": 8, "minute": 36, "second": 22}
